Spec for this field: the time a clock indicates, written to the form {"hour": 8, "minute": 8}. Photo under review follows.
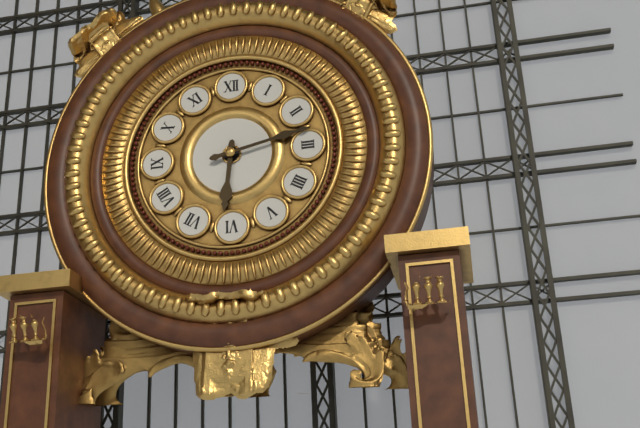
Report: {"hour": 6, "minute": 13}
